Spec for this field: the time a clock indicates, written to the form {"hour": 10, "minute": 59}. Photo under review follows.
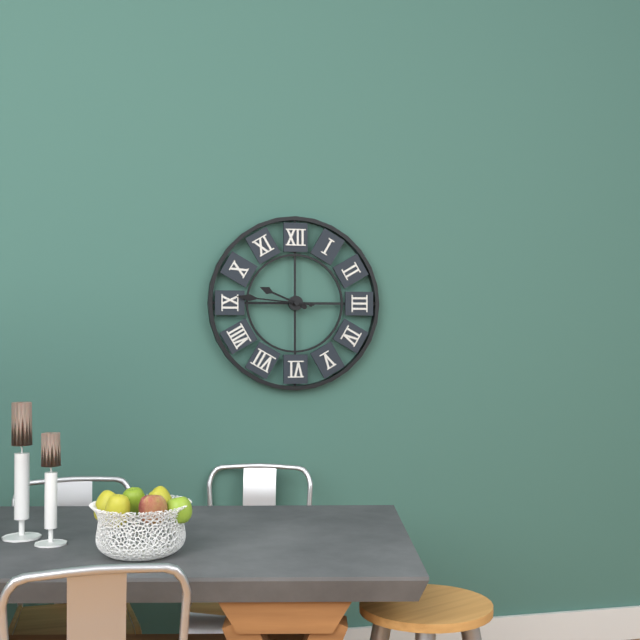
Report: {"hour": 9, "minute": 46}
